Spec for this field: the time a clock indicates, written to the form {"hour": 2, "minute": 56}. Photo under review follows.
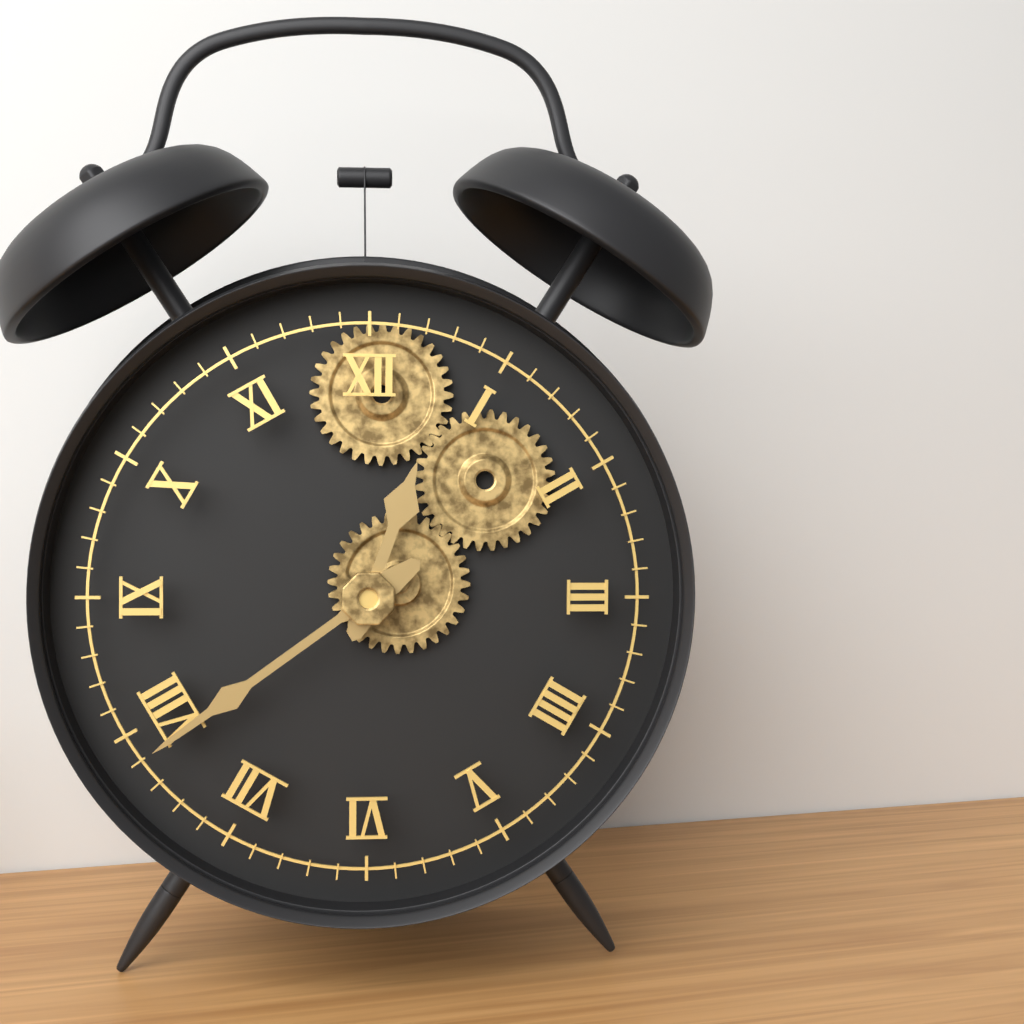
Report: {"hour": 12, "minute": 39}
